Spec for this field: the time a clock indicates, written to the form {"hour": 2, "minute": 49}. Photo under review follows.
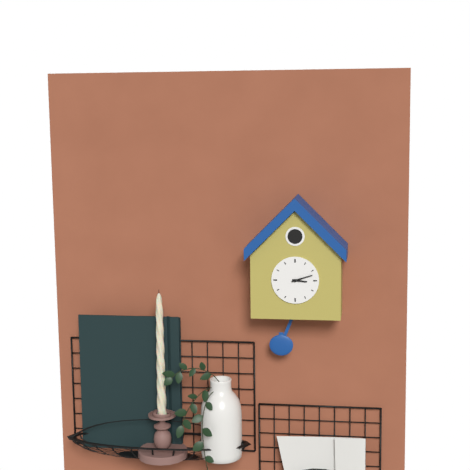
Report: {"hour": 3, "minute": 12}
